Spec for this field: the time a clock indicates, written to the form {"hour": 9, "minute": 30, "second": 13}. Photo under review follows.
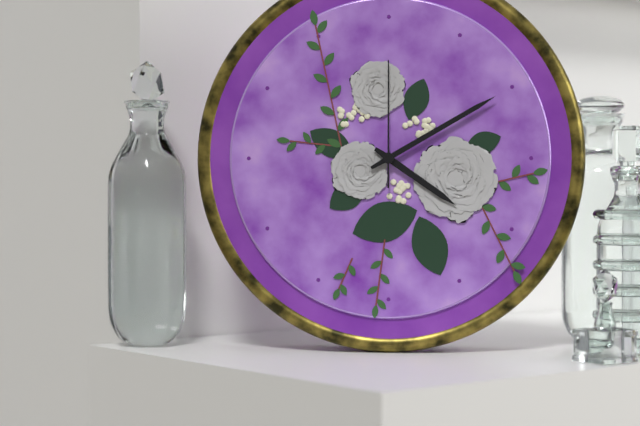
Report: {"hour": 4, "minute": 10, "second": 0}
